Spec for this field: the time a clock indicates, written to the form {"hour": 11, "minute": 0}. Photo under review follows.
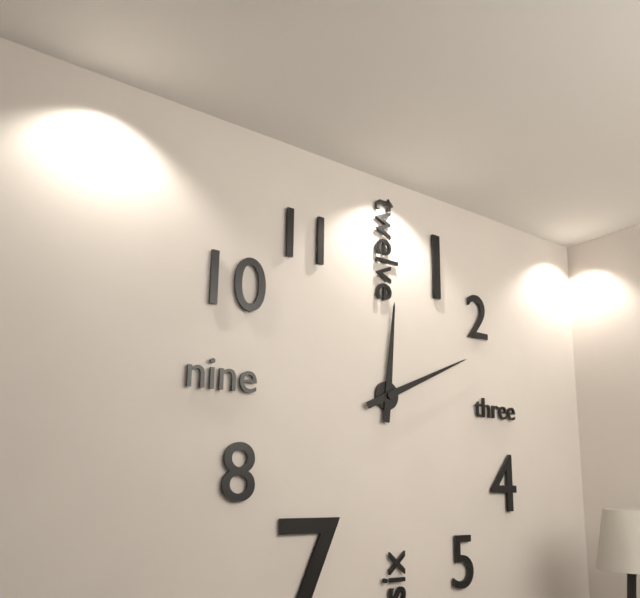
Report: {"hour": 12, "minute": 11}
